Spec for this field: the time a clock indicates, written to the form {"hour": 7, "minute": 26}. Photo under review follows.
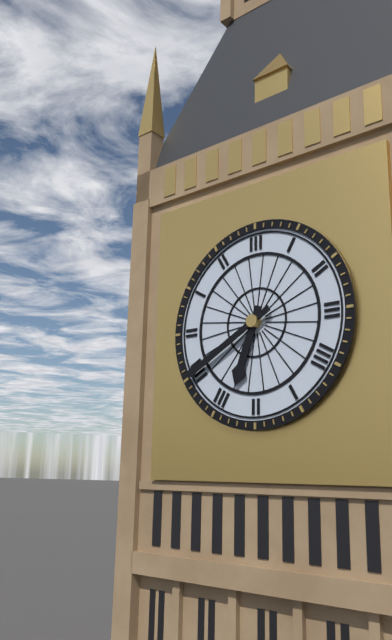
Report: {"hour": 6, "minute": 40}
